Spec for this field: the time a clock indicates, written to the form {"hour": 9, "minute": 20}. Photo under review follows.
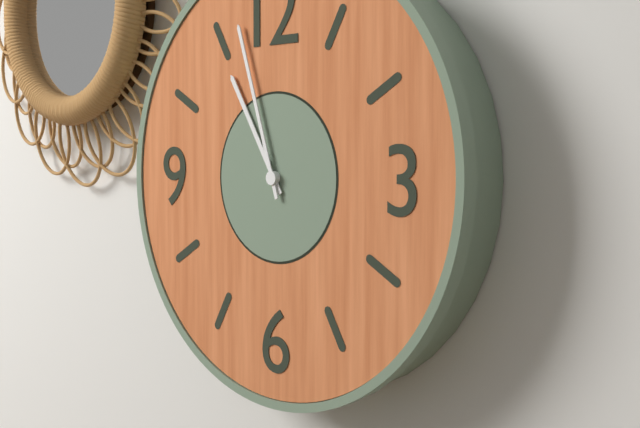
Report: {"hour": 10, "minute": 57}
